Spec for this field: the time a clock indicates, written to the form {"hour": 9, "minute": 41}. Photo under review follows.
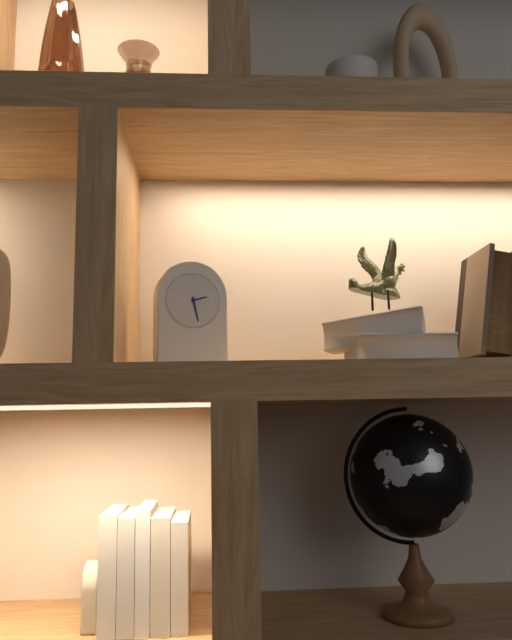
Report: {"hour": 2, "minute": 28}
